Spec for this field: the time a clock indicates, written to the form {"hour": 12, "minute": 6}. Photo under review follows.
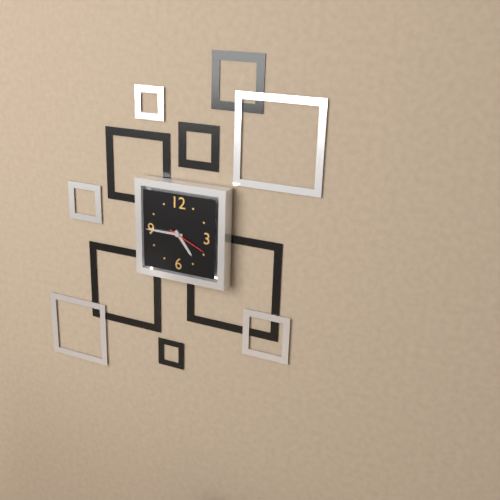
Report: {"hour": 4, "minute": 45}
